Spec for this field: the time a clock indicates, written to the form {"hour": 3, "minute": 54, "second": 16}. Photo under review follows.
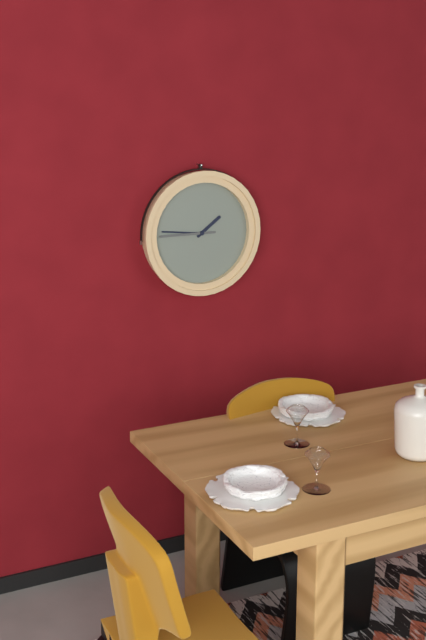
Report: {"hour": 1, "minute": 46, "second": 45}
